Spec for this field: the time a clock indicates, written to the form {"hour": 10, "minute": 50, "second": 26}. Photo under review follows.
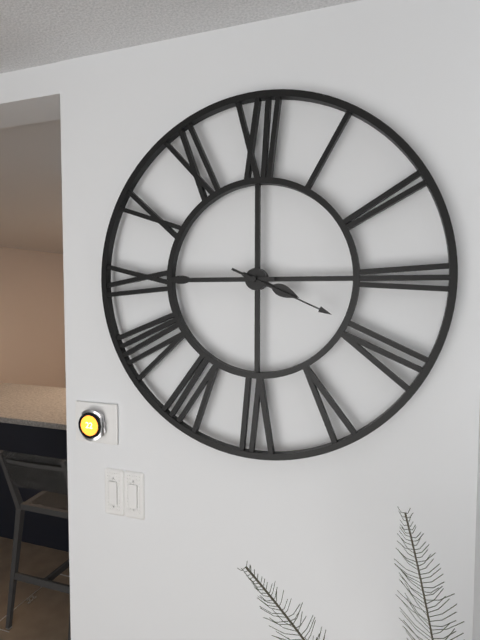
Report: {"hour": 3, "minute": 45, "second": 19}
